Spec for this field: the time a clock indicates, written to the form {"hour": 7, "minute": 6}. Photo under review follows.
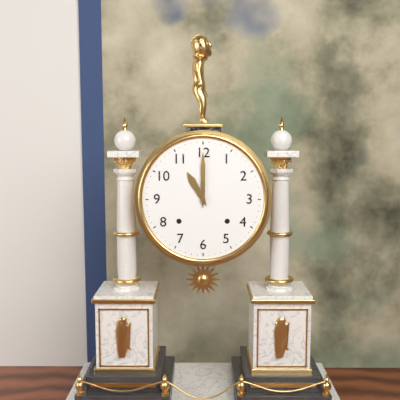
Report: {"hour": 11, "minute": 0}
